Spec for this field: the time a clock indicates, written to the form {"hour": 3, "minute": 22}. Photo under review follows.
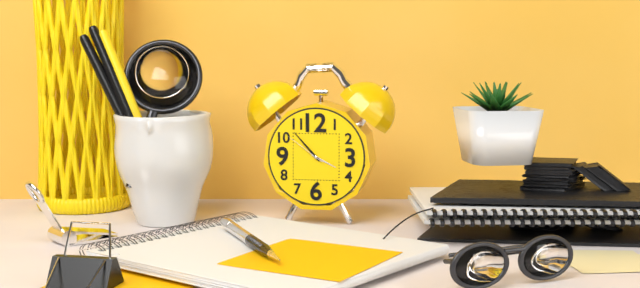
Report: {"hour": 3, "minute": 53}
